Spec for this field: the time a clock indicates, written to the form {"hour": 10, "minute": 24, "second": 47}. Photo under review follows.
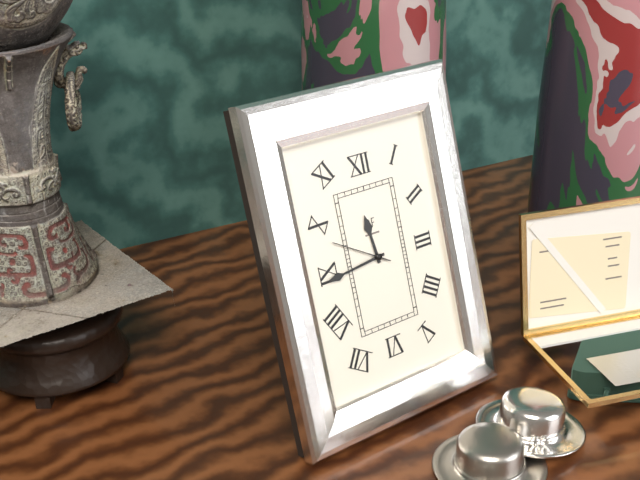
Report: {"hour": 11, "minute": 44, "second": 50}
